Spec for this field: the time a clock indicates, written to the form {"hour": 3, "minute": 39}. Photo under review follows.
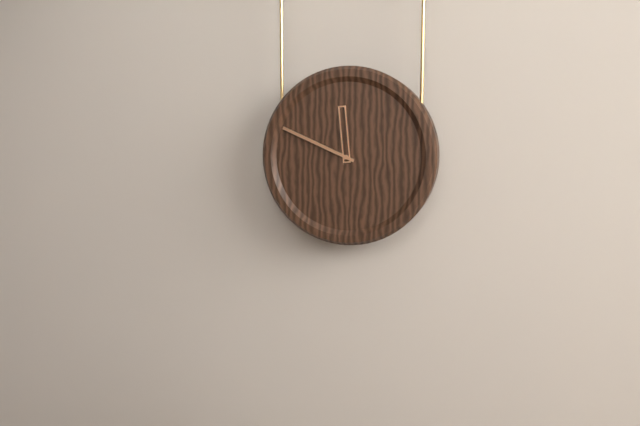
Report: {"hour": 11, "minute": 49}
